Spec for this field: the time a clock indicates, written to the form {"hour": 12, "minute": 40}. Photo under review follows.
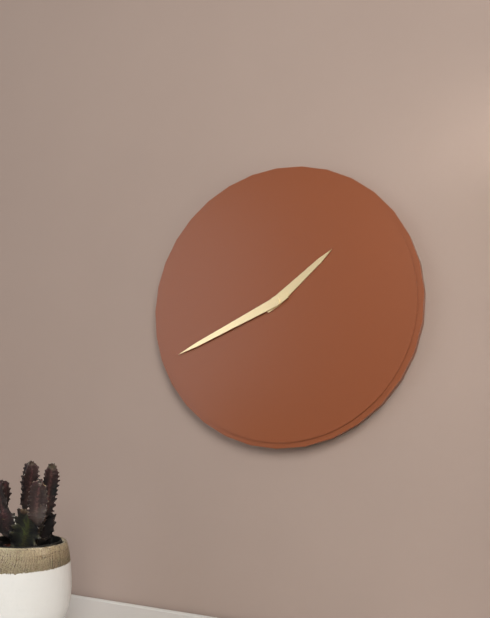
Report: {"hour": 1, "minute": 41}
